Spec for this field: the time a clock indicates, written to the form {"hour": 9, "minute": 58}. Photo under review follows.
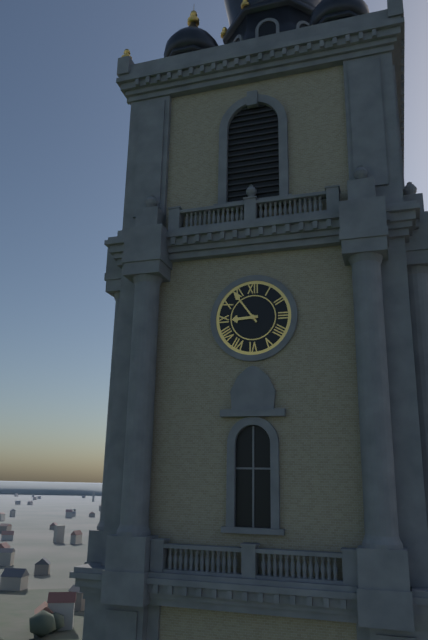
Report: {"hour": 8, "minute": 54}
